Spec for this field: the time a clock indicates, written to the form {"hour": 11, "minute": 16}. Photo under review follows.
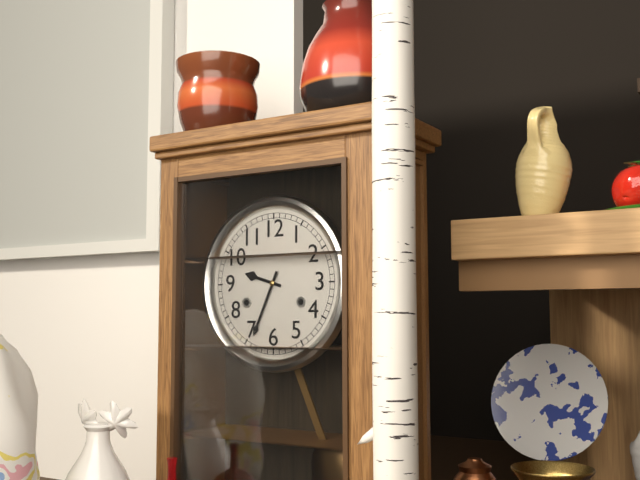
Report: {"hour": 9, "minute": 34}
